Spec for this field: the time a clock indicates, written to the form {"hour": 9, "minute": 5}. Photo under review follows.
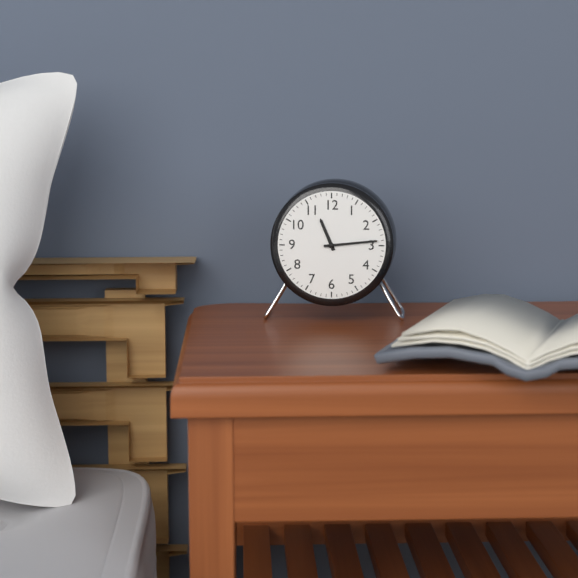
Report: {"hour": 11, "minute": 14}
